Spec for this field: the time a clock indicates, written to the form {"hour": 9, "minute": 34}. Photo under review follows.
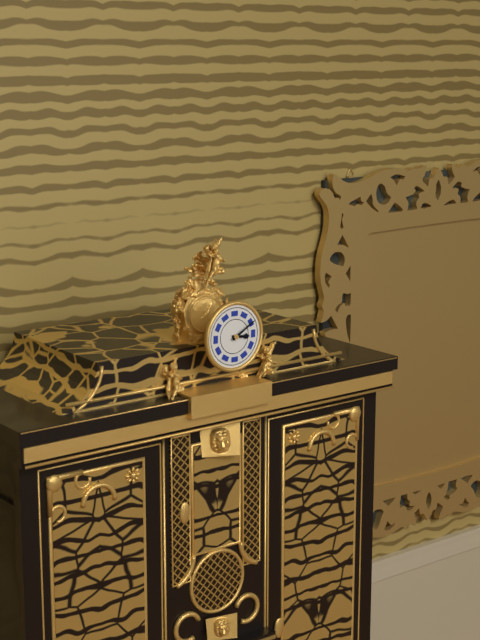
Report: {"hour": 3, "minute": 10}
